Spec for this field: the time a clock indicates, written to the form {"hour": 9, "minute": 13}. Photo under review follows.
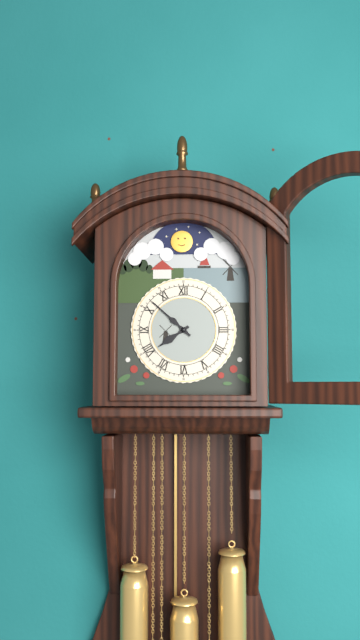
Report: {"hour": 7, "minute": 52}
